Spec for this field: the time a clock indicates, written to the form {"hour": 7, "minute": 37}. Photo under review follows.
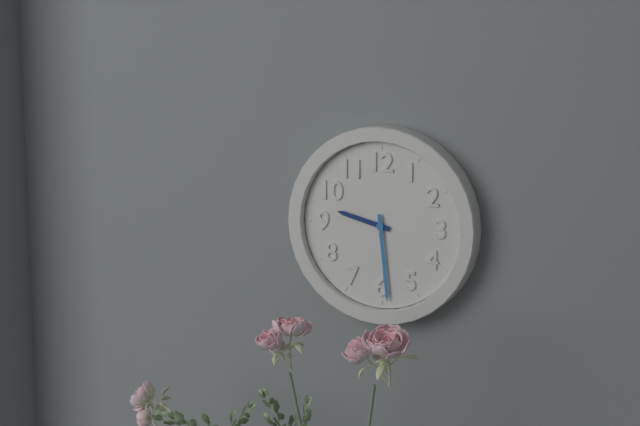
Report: {"hour": 9, "minute": 29}
